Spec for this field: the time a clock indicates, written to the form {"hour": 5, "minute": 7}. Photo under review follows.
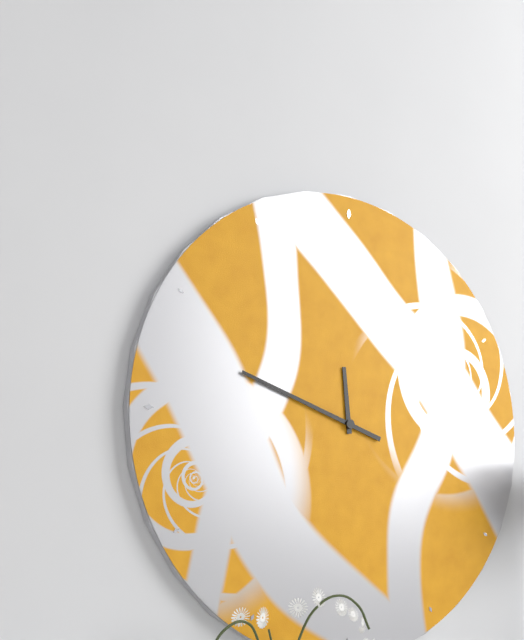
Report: {"hour": 11, "minute": 48}
